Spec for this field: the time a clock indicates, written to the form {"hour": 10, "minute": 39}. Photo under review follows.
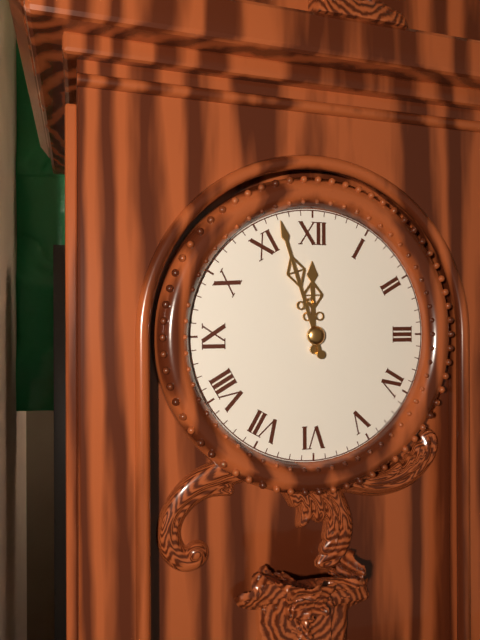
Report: {"hour": 11, "minute": 57}
